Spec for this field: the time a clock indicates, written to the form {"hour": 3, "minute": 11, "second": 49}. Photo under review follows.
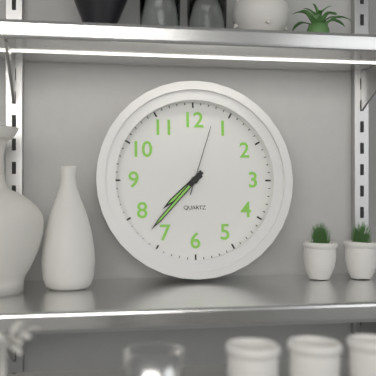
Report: {"hour": 7, "minute": 37, "second": 3}
